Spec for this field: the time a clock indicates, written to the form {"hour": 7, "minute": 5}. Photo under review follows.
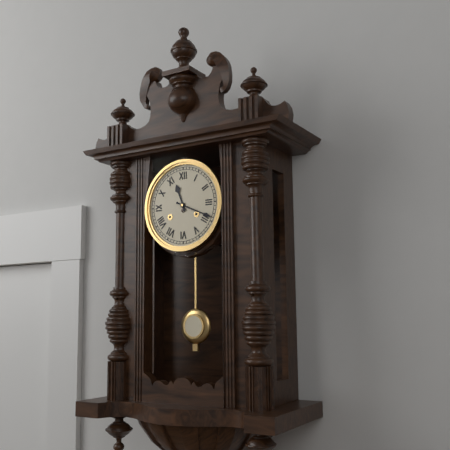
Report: {"hour": 11, "minute": 19}
